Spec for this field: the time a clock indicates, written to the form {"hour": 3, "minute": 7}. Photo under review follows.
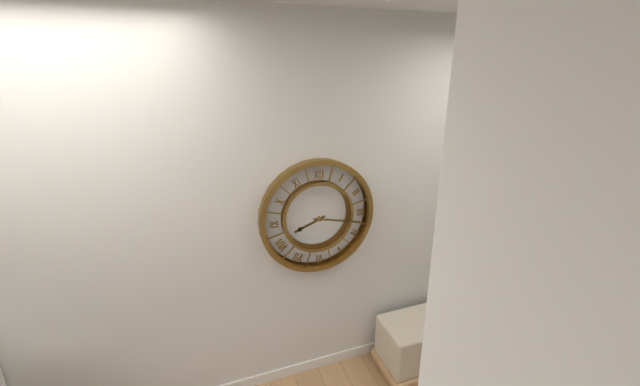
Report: {"hour": 8, "minute": 17}
